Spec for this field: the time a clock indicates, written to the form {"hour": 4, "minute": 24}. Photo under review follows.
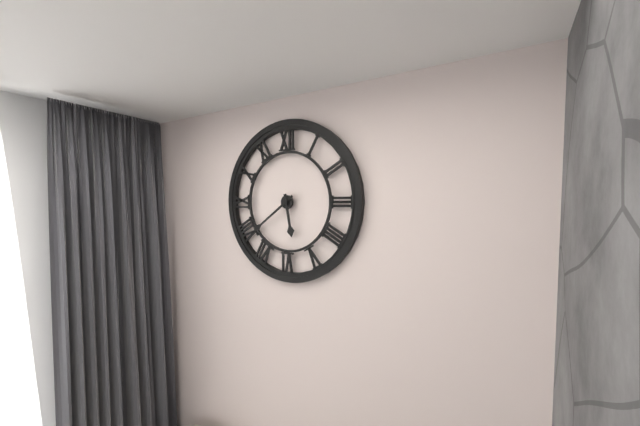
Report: {"hour": 5, "minute": 39}
